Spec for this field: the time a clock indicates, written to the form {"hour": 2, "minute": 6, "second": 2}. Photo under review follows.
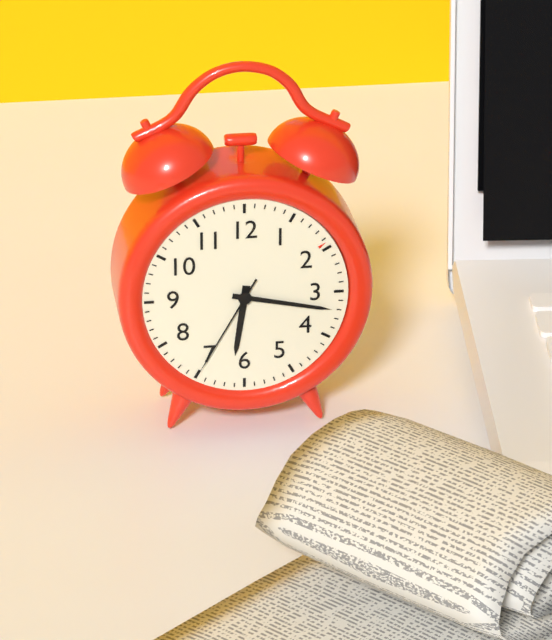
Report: {"hour": 6, "minute": 17, "second": 35}
